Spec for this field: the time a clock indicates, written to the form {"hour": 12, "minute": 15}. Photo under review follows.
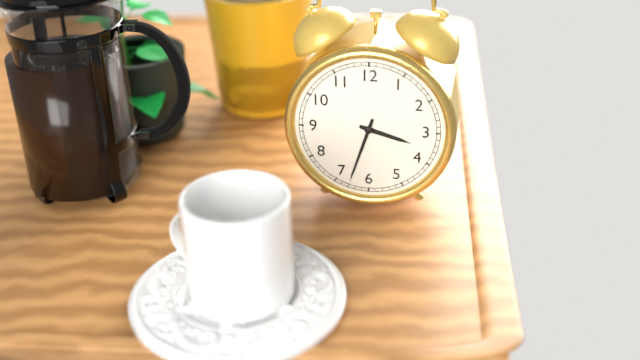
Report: {"hour": 3, "minute": 33}
